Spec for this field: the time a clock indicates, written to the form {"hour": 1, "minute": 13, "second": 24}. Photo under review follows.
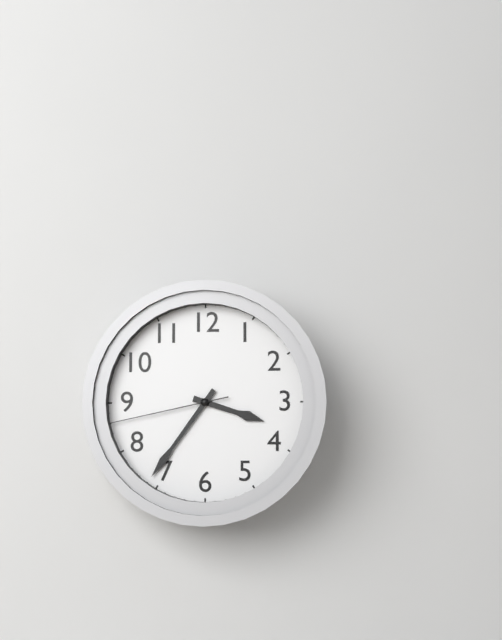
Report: {"hour": 3, "minute": 36, "second": 43}
